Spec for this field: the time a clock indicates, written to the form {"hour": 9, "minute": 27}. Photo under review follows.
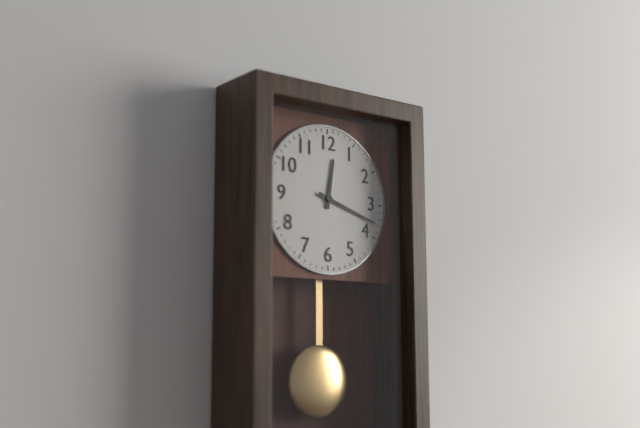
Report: {"hour": 12, "minute": 18}
